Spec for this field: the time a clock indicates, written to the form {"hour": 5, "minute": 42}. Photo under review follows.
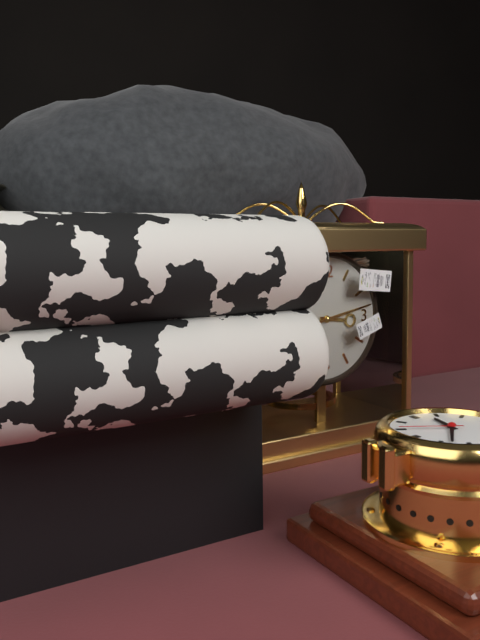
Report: {"hour": 3, "minute": 13}
